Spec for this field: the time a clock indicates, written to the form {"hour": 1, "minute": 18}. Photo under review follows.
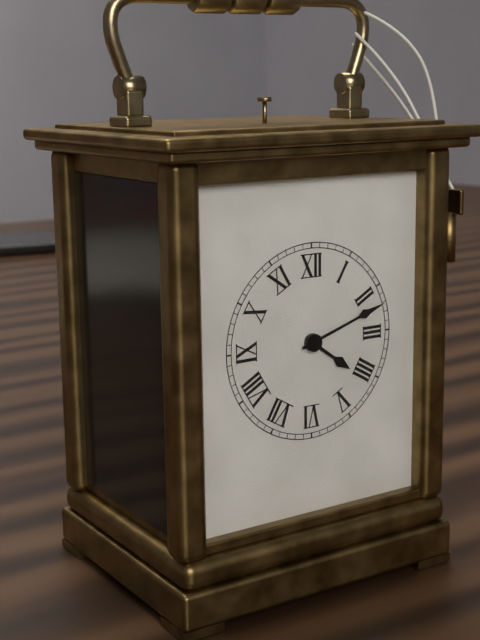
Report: {"hour": 4, "minute": 12}
